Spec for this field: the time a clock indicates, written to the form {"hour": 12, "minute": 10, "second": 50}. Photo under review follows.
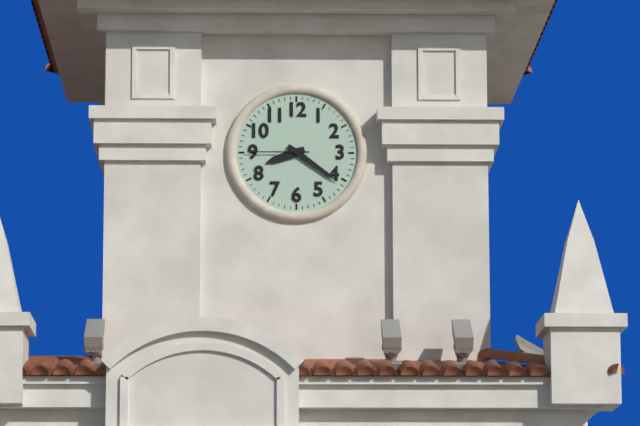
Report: {"hour": 8, "minute": 21, "second": 45}
